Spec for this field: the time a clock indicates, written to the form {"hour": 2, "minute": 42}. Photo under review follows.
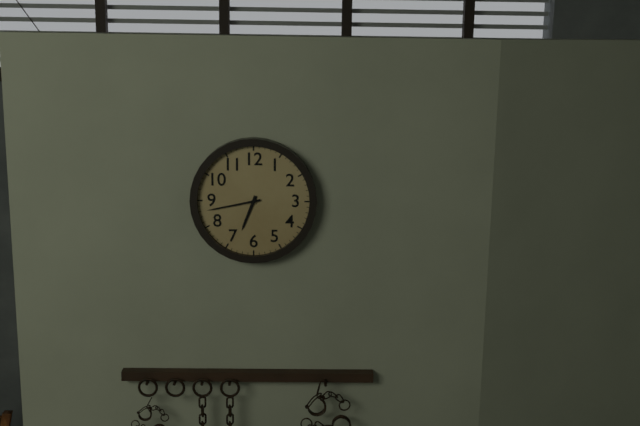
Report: {"hour": 6, "minute": 43}
